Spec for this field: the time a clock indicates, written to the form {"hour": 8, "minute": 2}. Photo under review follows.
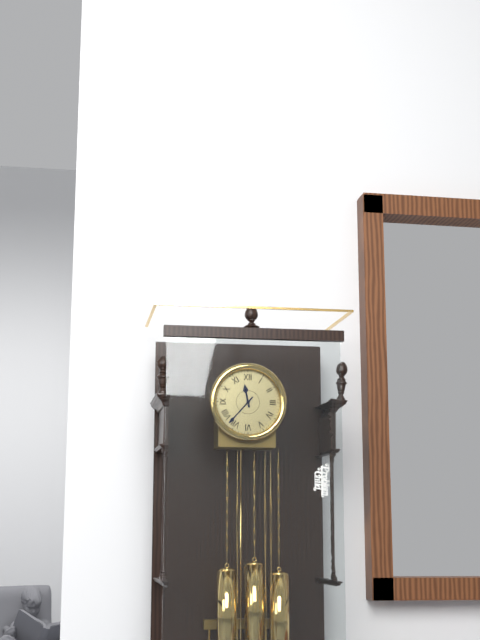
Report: {"hour": 11, "minute": 37}
